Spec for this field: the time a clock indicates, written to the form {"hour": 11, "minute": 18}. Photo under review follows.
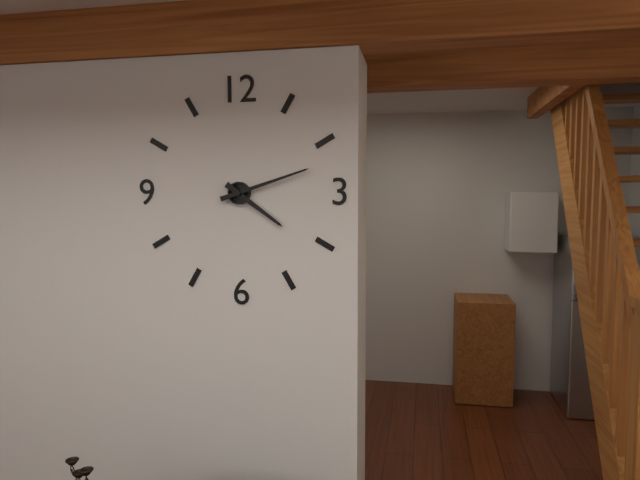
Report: {"hour": 4, "minute": 12}
